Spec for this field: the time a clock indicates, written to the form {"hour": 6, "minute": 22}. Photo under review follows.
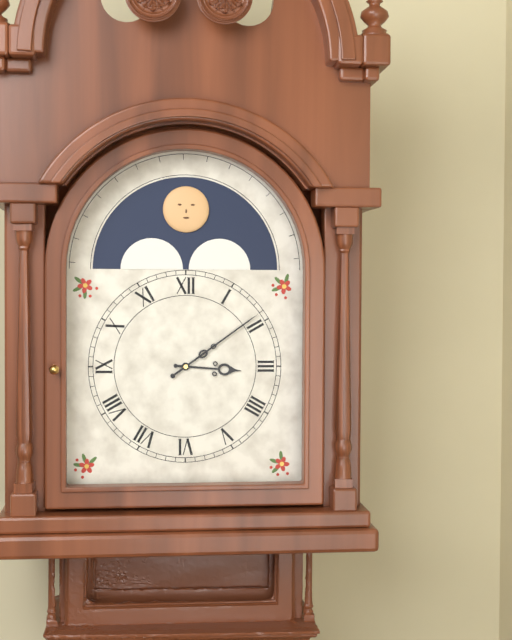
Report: {"hour": 3, "minute": 9}
